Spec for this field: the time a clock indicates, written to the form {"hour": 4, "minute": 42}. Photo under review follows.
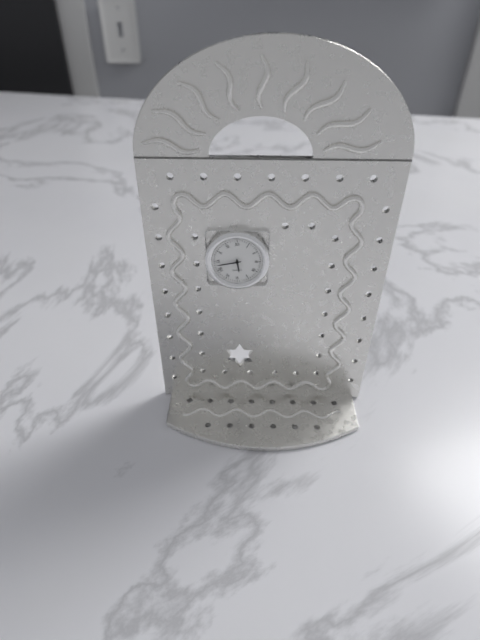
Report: {"hour": 5, "minute": 43}
